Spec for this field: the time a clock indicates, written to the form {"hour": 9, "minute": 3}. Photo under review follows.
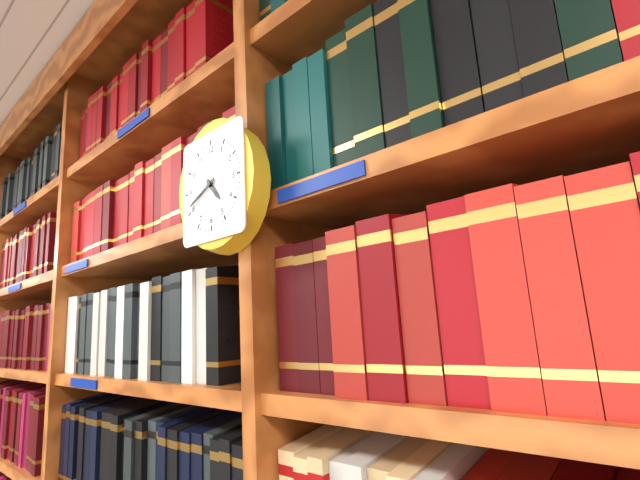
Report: {"hour": 4, "minute": 41}
